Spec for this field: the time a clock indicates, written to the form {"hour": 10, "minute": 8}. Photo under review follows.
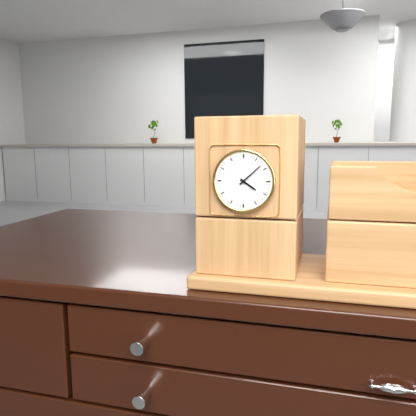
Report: {"hour": 4, "minute": 8}
